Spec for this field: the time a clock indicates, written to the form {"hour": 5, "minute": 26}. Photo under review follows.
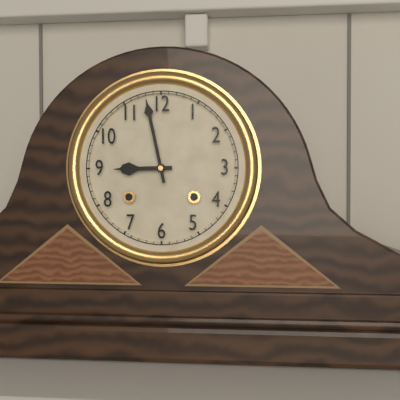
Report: {"hour": 8, "minute": 58}
